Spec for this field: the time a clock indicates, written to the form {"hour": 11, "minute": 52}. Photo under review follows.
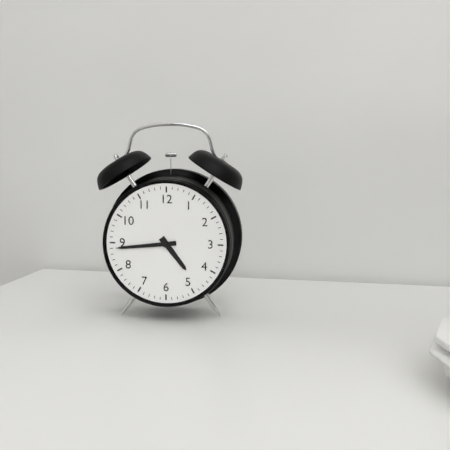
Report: {"hour": 4, "minute": 44}
